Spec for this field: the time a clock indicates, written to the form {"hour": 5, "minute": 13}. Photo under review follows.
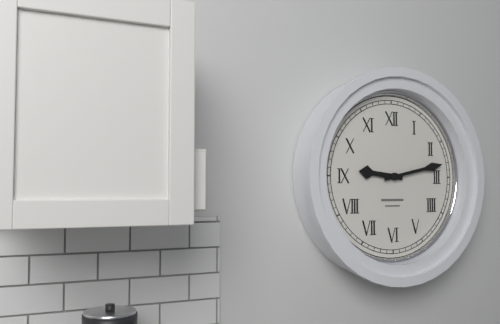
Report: {"hour": 9, "minute": 13}
